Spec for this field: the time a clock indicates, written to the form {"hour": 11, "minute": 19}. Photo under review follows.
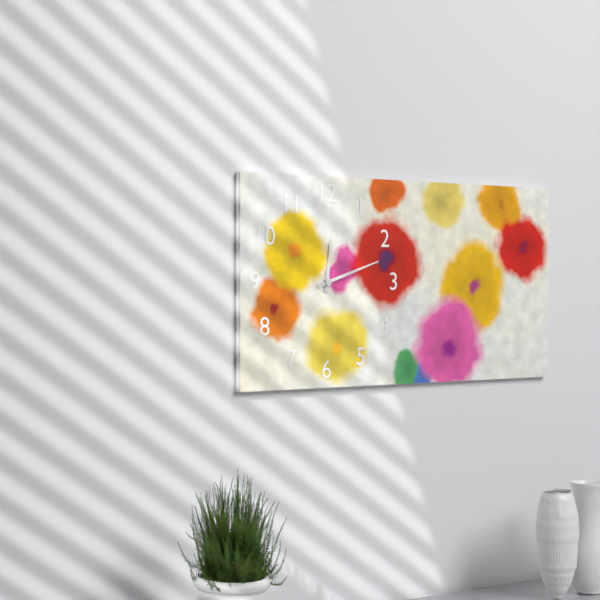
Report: {"hour": 12, "minute": 12}
